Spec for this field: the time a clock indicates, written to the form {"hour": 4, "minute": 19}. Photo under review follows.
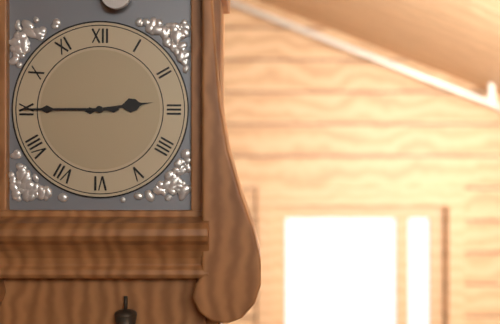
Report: {"hour": 2, "minute": 45}
